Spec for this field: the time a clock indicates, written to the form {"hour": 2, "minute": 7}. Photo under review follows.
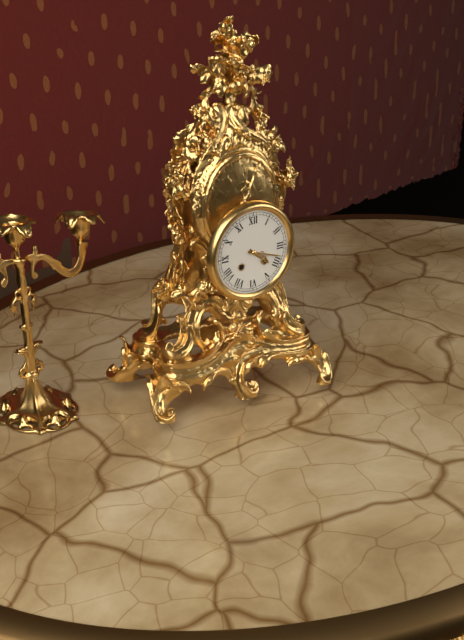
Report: {"hour": 4, "minute": 18}
